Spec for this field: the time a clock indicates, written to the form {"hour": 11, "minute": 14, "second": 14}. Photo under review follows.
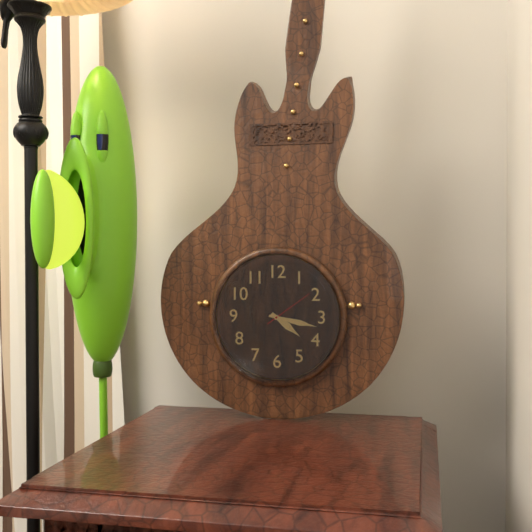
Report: {"hour": 4, "minute": 17, "second": 9}
